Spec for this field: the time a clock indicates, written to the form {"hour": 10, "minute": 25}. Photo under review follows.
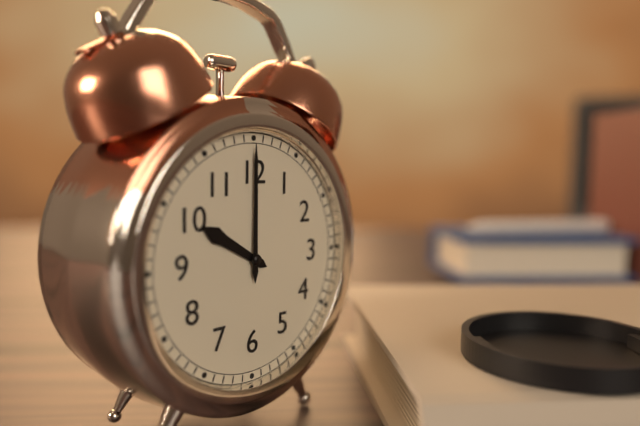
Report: {"hour": 10, "minute": 0}
